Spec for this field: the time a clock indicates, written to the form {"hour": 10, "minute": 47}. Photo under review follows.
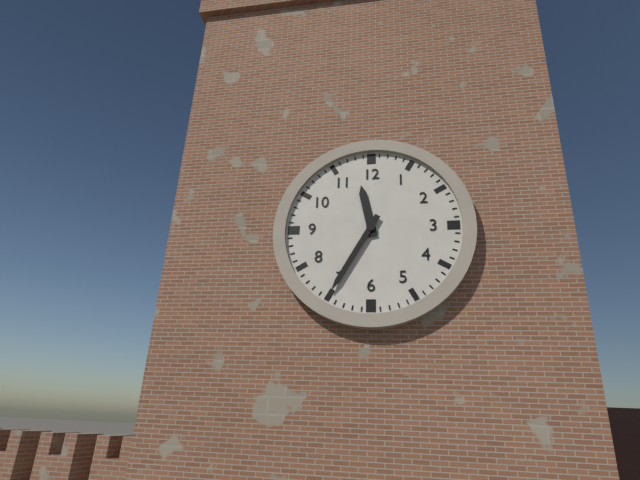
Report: {"hour": 11, "minute": 35}
